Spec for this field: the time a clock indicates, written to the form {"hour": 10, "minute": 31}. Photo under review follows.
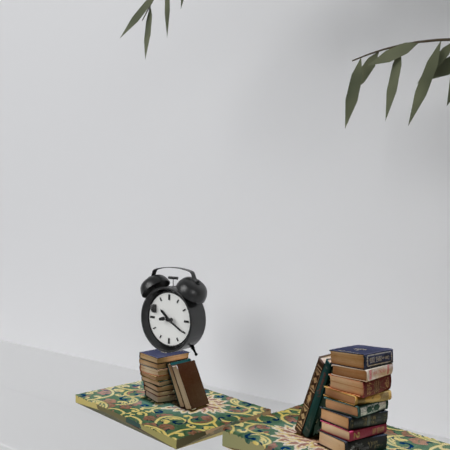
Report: {"hour": 10, "minute": 20}
